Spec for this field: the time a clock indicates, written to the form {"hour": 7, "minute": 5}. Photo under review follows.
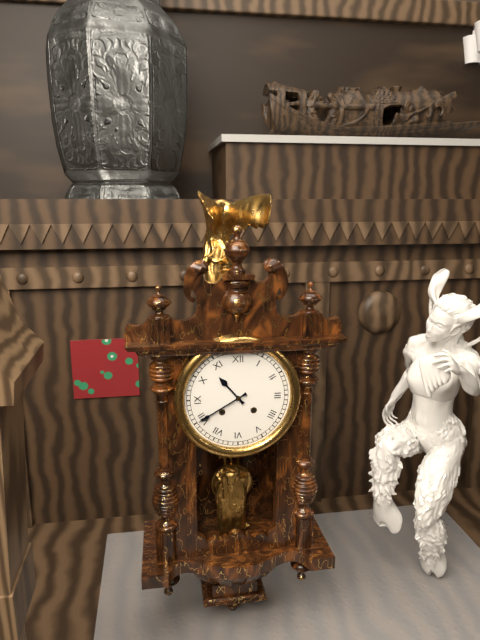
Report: {"hour": 10, "minute": 40}
